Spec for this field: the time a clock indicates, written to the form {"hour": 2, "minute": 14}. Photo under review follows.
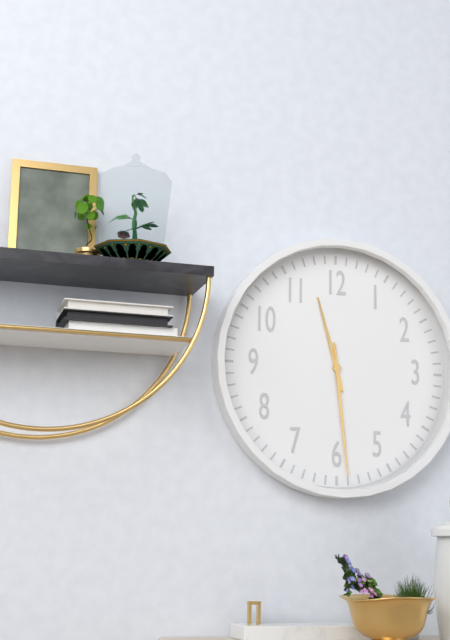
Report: {"hour": 11, "minute": 29}
